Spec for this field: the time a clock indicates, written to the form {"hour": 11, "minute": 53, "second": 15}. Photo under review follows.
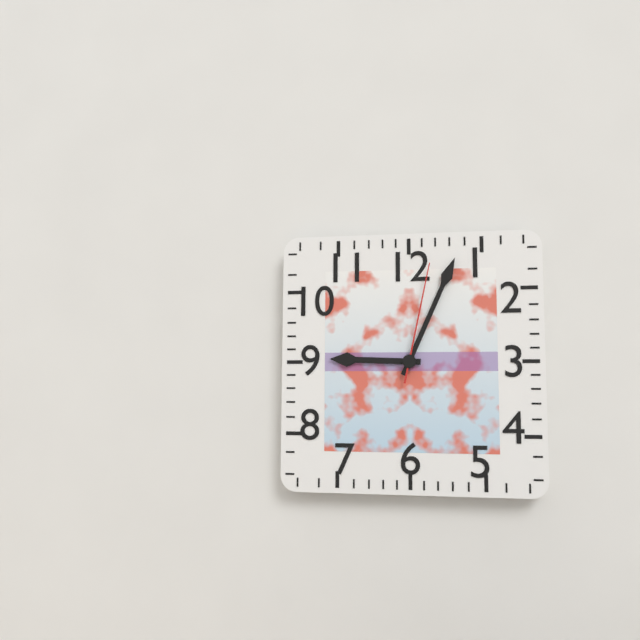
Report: {"hour": 9, "minute": 4, "second": 2}
